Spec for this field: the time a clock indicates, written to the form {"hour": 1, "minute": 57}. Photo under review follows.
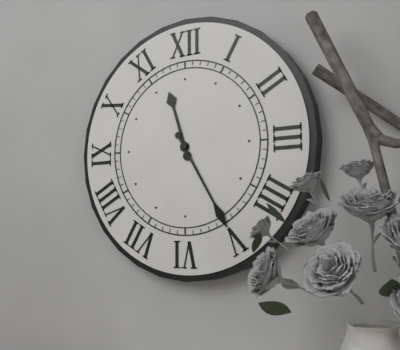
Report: {"hour": 11, "minute": 25}
